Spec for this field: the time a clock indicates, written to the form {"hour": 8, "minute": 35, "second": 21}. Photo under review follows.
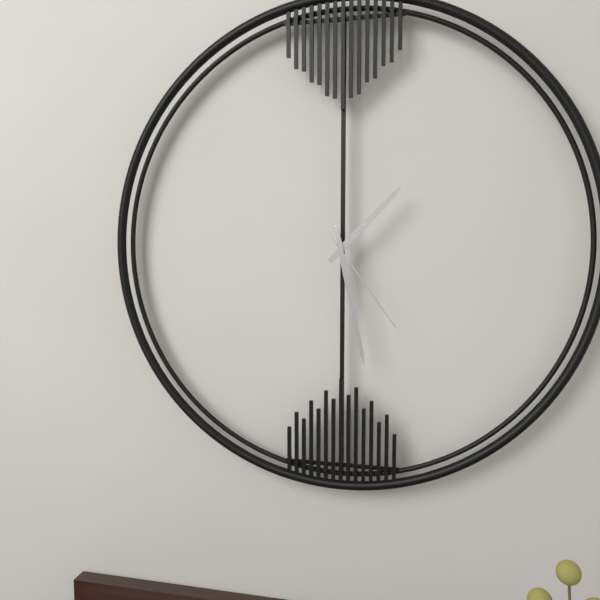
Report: {"hour": 1, "minute": 28, "second": 24}
